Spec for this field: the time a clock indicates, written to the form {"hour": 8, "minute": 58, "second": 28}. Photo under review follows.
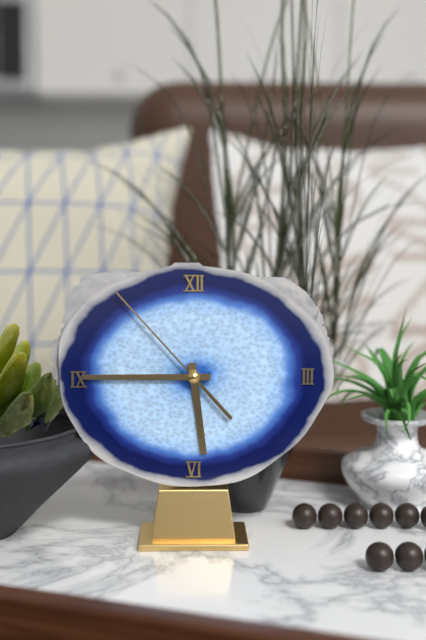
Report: {"hour": 5, "minute": 45, "second": 53}
